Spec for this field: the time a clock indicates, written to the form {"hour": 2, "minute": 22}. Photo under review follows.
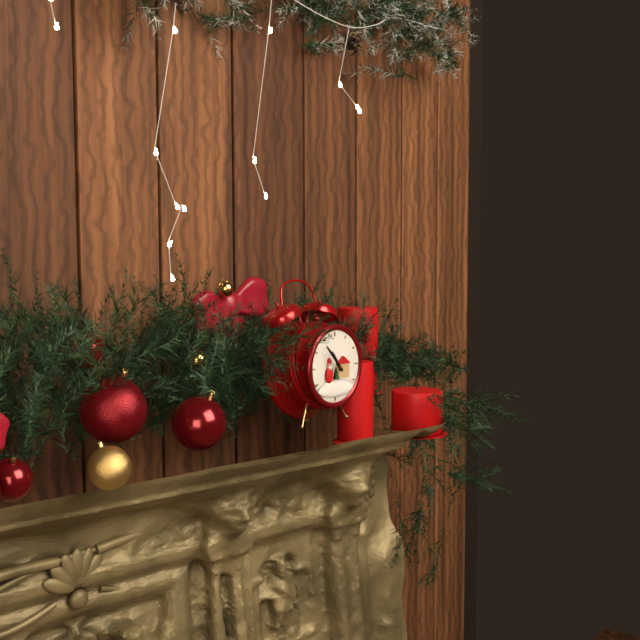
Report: {"hour": 10, "minute": 53}
